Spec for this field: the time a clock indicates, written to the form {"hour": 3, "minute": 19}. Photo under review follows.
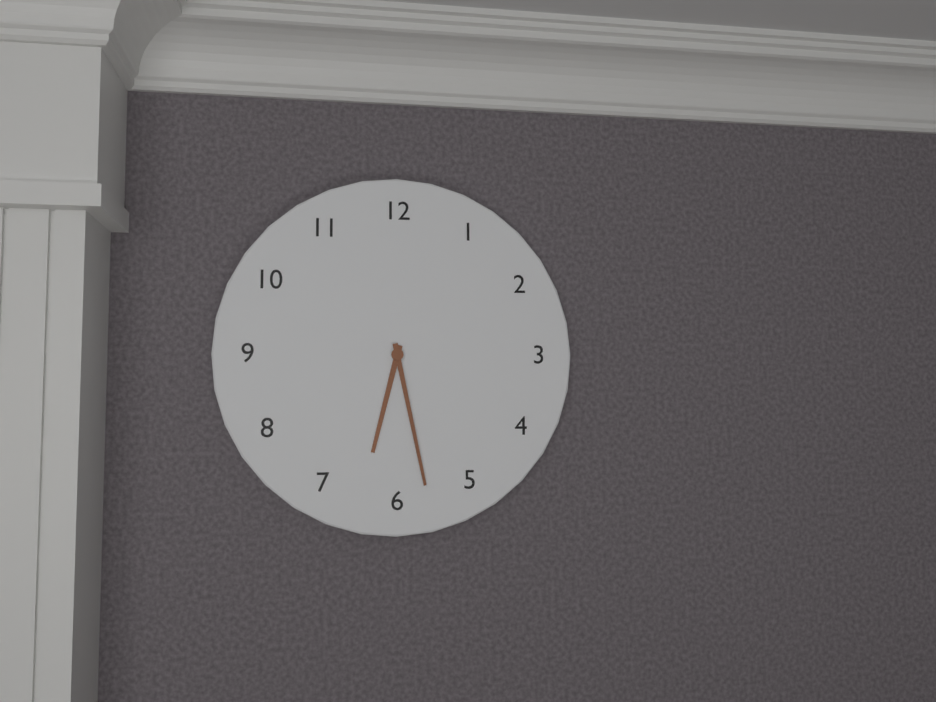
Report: {"hour": 6, "minute": 28}
